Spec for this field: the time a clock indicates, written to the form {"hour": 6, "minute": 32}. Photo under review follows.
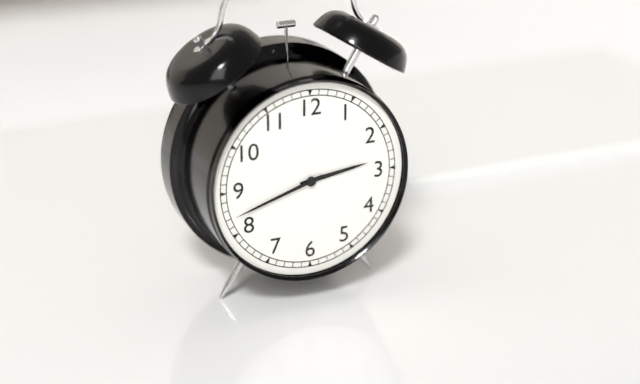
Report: {"hour": 2, "minute": 42}
